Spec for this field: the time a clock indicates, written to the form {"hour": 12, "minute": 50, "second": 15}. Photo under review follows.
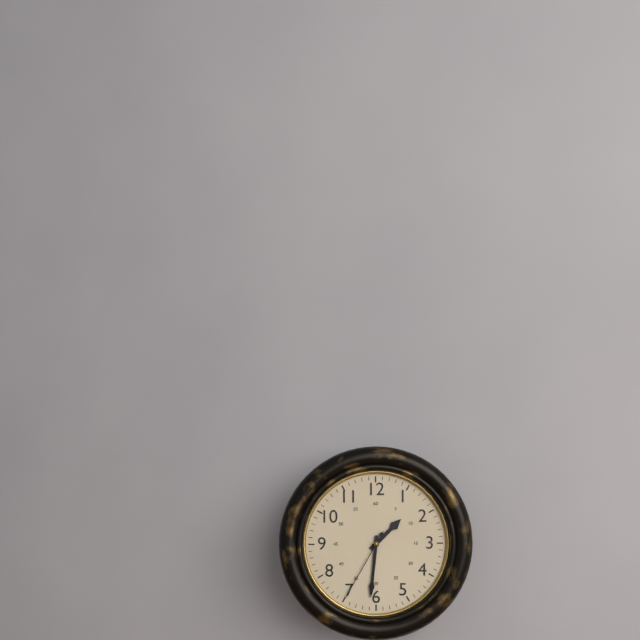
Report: {"hour": 1, "minute": 31, "second": 35}
